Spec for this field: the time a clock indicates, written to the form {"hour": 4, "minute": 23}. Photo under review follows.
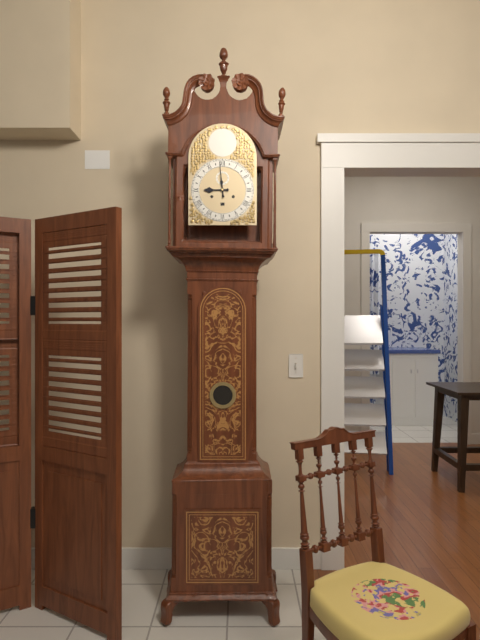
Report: {"hour": 8, "minute": 59}
